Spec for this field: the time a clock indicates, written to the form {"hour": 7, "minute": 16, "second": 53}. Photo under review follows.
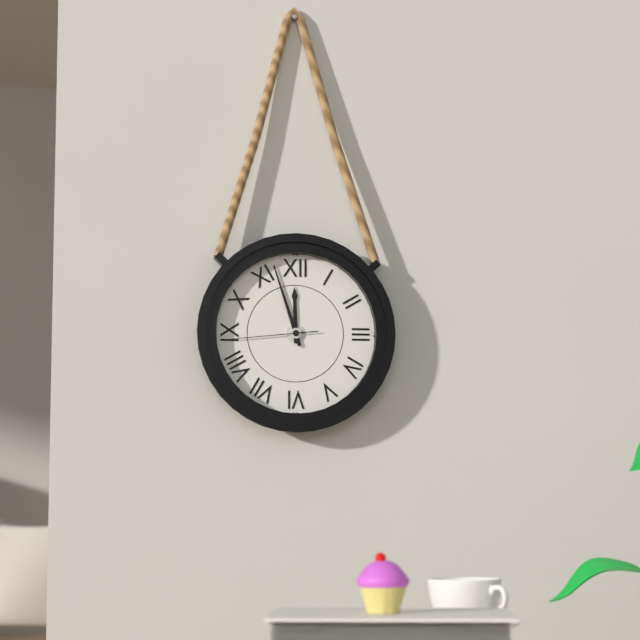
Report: {"hour": 11, "minute": 57, "second": 44}
